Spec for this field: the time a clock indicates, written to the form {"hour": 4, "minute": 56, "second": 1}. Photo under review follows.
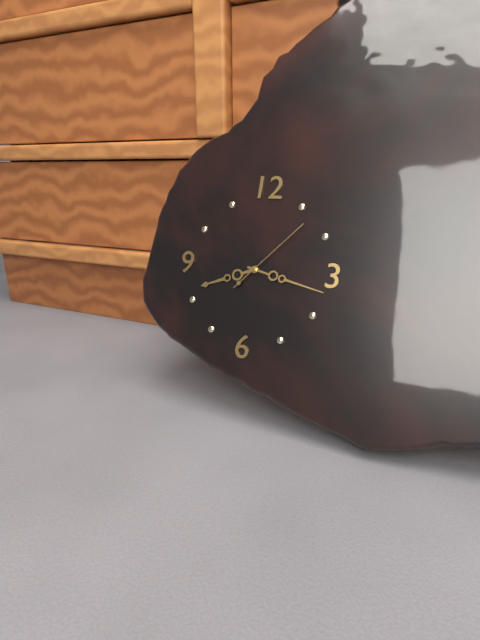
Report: {"hour": 8, "minute": 17, "second": 7}
